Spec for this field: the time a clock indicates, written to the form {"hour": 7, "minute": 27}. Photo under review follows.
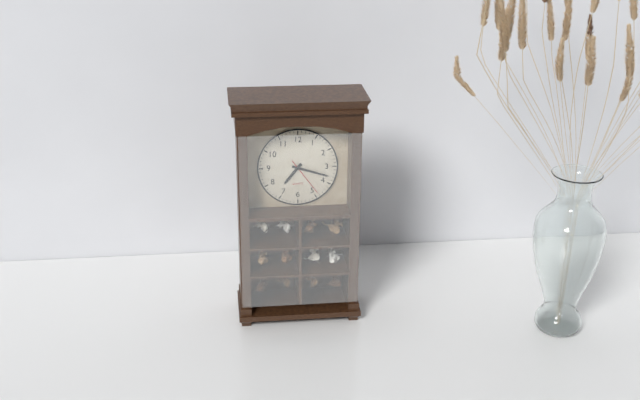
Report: {"hour": 7, "minute": 18}
